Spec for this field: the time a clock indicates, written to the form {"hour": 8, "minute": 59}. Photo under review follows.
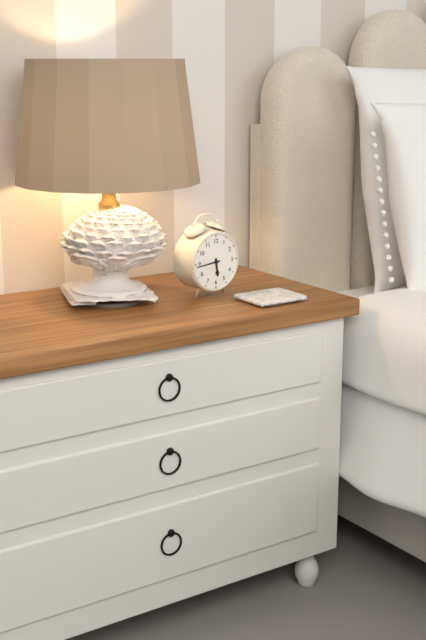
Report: {"hour": 5, "minute": 44}
